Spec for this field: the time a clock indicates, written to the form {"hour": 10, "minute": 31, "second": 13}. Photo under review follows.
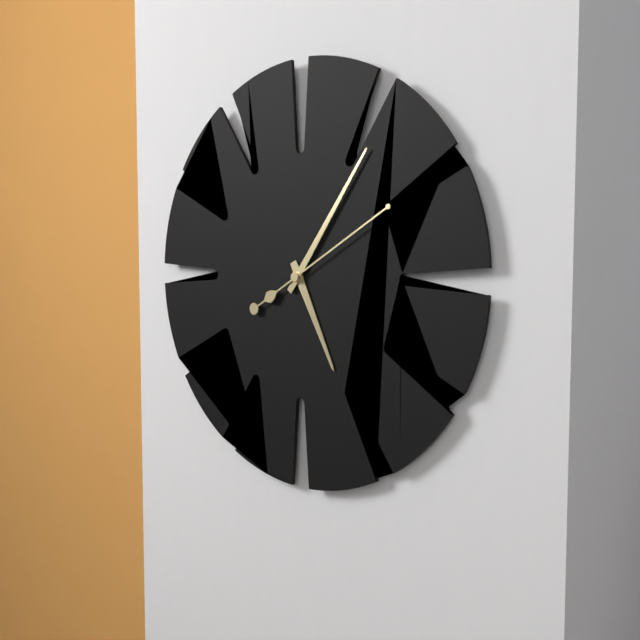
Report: {"hour": 5, "minute": 6, "second": 10}
